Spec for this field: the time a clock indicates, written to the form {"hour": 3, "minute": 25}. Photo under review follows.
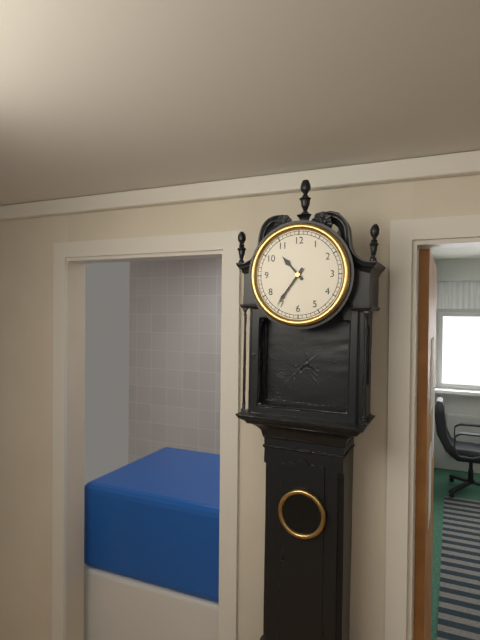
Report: {"hour": 10, "minute": 36}
